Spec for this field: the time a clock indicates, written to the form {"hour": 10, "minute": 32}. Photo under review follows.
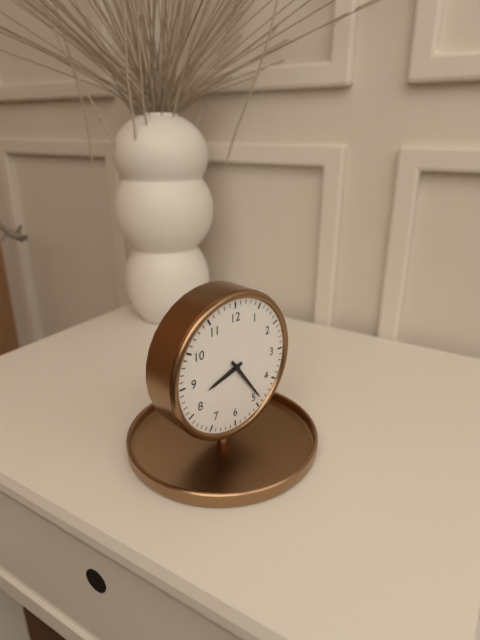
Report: {"hour": 8, "minute": 24}
